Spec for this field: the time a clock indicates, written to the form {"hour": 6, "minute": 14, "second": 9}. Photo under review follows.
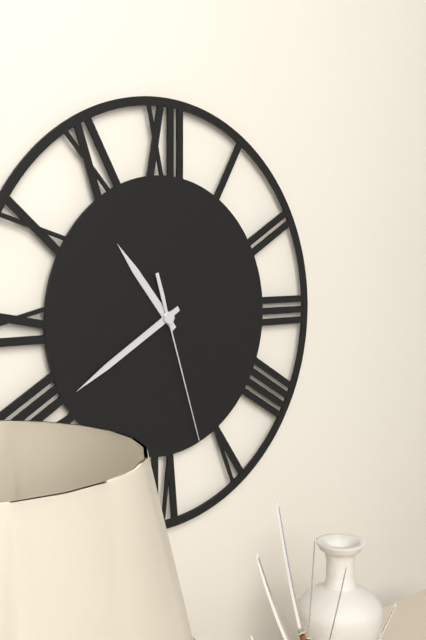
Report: {"hour": 10, "minute": 40, "second": 27}
